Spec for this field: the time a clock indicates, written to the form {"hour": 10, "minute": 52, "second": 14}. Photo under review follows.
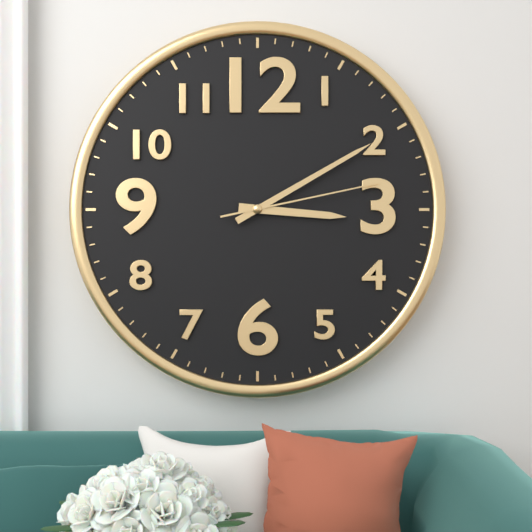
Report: {"hour": 3, "minute": 10, "second": 13}
